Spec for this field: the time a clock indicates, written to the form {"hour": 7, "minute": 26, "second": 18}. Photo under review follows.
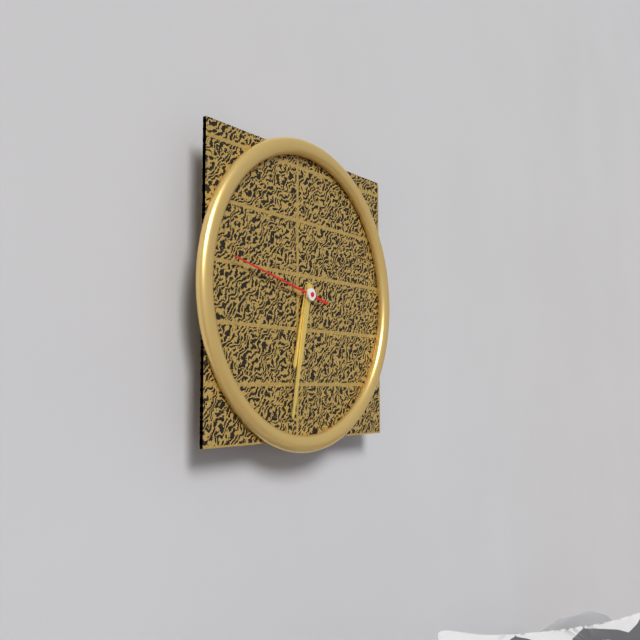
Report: {"hour": 6, "minute": 32, "second": 47}
